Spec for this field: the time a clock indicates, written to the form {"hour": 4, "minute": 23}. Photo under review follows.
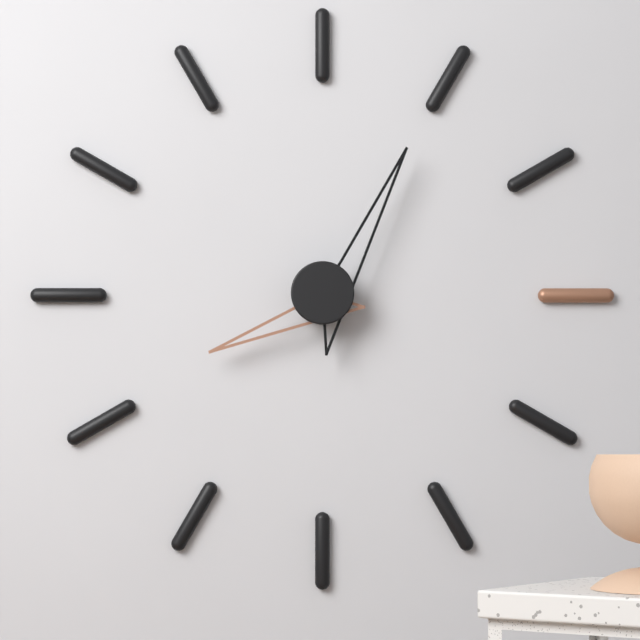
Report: {"hour": 8, "minute": 5}
